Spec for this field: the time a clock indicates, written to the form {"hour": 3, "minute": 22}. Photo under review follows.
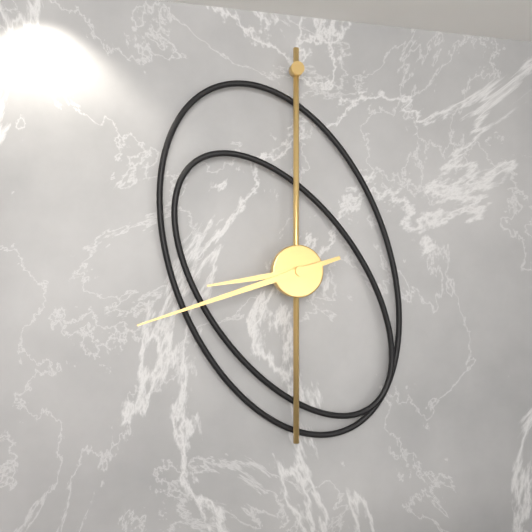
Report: {"hour": 8, "minute": 42}
